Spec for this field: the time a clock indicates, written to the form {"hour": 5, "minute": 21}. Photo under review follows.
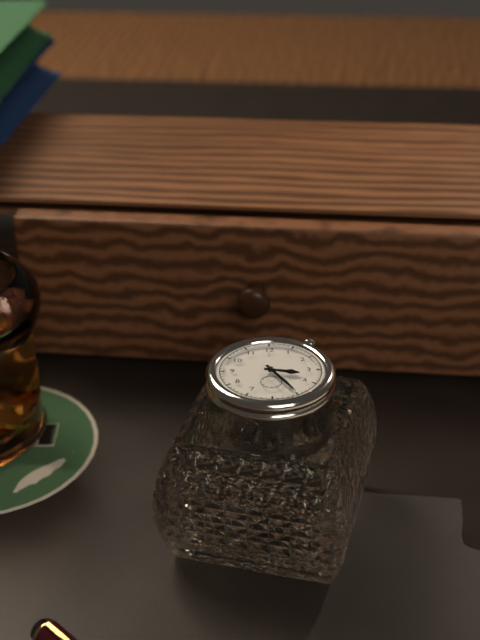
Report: {"hour": 3, "minute": 25}
